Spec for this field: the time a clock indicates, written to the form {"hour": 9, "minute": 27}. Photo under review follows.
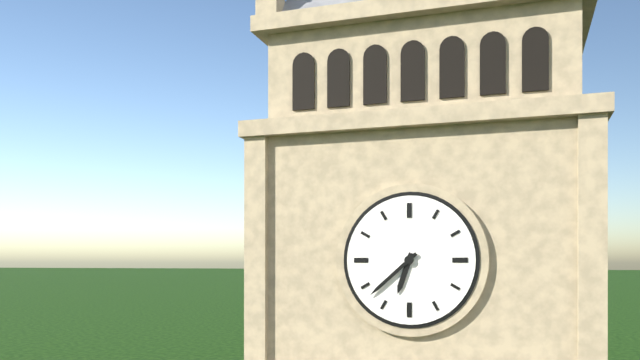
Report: {"hour": 6, "minute": 38}
